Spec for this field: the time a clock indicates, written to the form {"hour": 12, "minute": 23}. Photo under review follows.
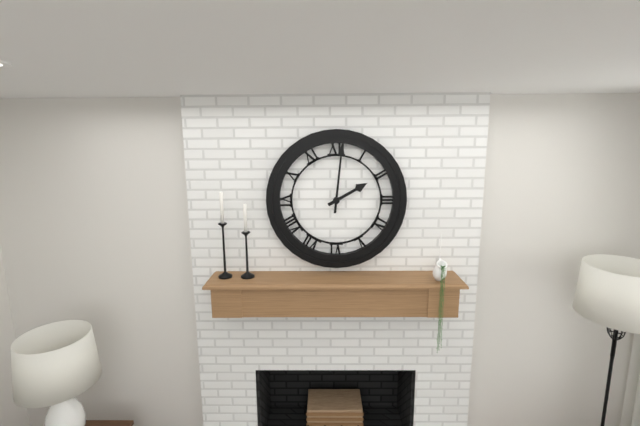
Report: {"hour": 2, "minute": 1}
